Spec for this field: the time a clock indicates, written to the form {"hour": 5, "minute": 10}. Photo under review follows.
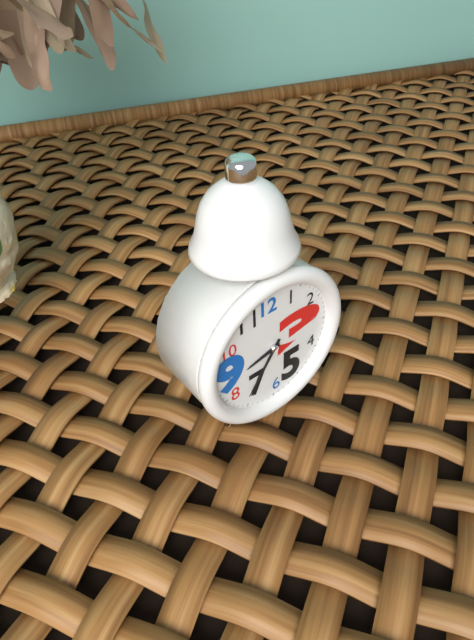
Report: {"hour": 8, "minute": 36}
